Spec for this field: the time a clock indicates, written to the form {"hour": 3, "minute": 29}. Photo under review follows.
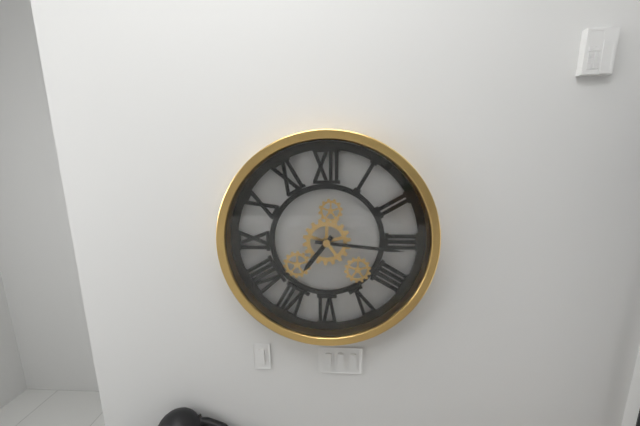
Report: {"hour": 7, "minute": 16}
